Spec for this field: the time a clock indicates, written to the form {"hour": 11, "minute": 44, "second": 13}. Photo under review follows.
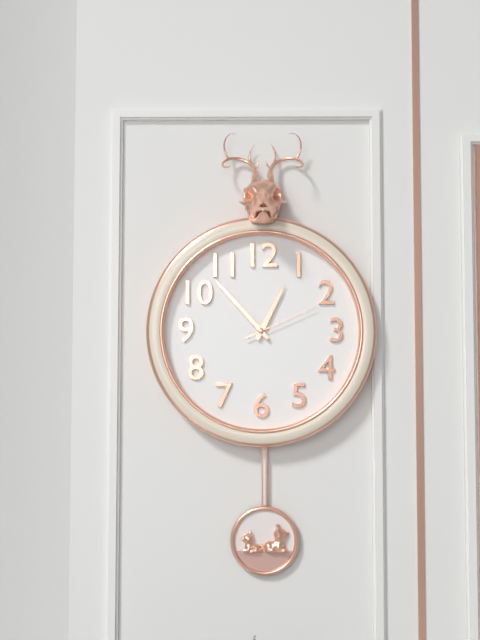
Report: {"hour": 12, "minute": 53, "second": 11}
